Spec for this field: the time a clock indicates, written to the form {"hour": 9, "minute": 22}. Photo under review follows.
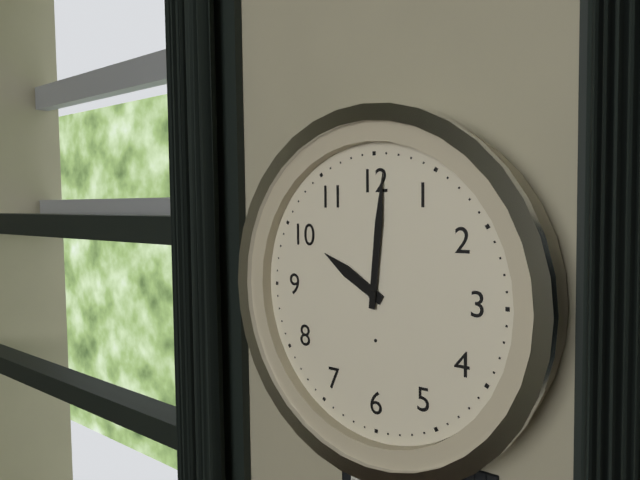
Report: {"hour": 10, "minute": 1}
